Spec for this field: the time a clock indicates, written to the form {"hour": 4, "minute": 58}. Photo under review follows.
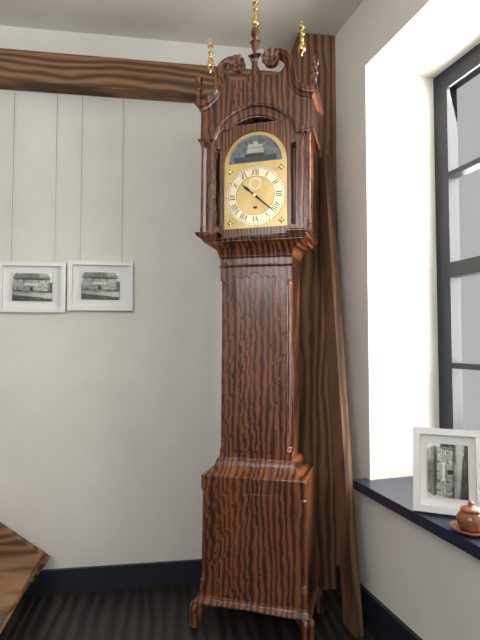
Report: {"hour": 10, "minute": 22}
